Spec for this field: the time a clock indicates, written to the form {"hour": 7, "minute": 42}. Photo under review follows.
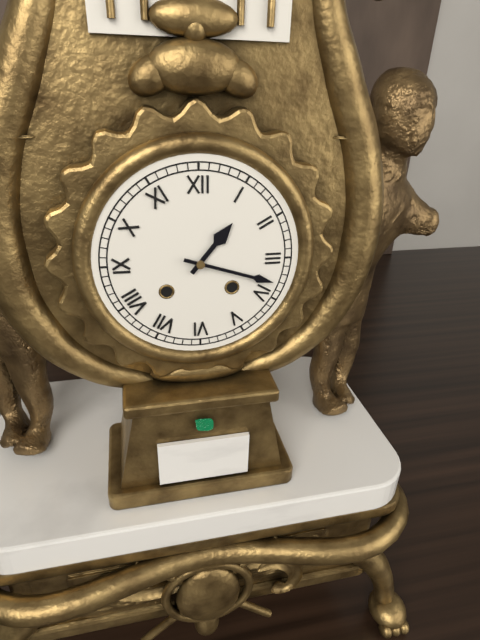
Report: {"hour": 1, "minute": 18}
